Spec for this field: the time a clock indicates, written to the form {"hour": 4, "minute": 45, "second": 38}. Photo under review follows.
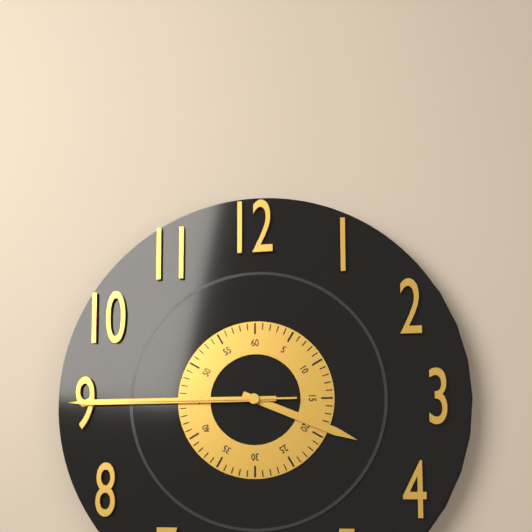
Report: {"hour": 3, "minute": 45, "second": 45}
